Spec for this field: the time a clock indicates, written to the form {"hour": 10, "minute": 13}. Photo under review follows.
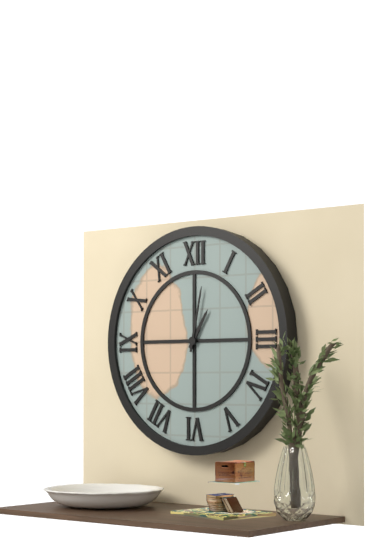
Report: {"hour": 1, "minute": 2}
